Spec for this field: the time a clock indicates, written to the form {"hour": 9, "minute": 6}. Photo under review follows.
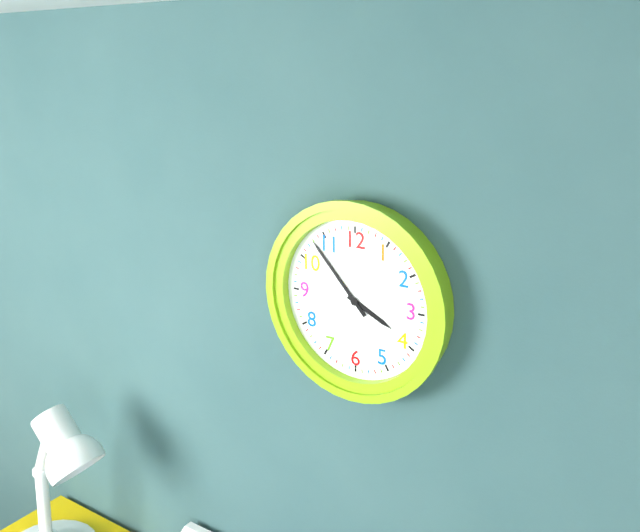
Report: {"hour": 3, "minute": 53}
